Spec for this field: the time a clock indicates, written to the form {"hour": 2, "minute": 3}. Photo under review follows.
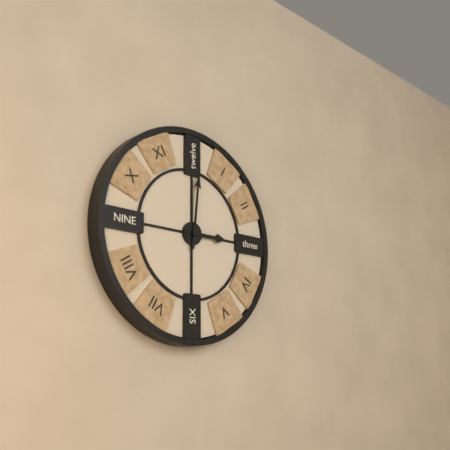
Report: {"hour": 3, "minute": 1}
